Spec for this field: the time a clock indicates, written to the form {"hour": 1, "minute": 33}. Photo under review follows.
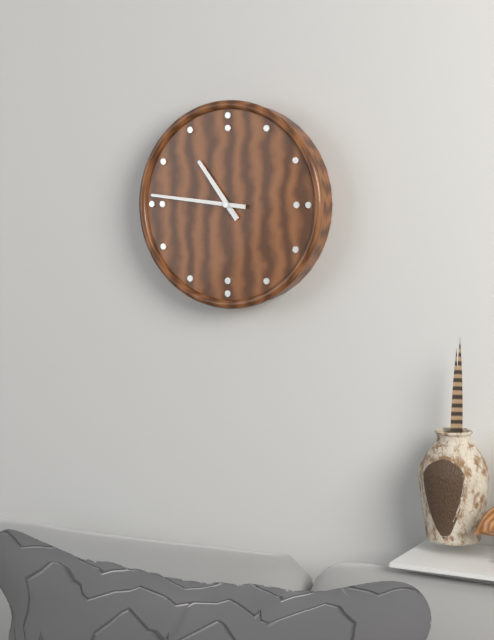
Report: {"hour": 10, "minute": 46}
